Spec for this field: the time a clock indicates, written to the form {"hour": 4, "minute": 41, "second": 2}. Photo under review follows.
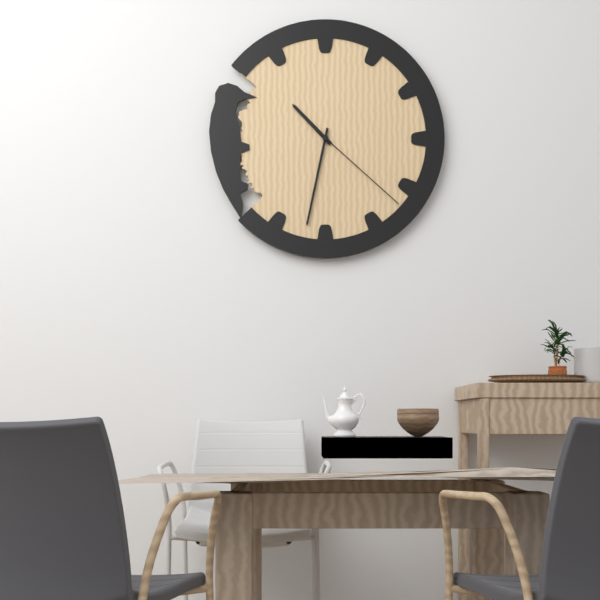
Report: {"hour": 10, "minute": 32, "second": 22}
